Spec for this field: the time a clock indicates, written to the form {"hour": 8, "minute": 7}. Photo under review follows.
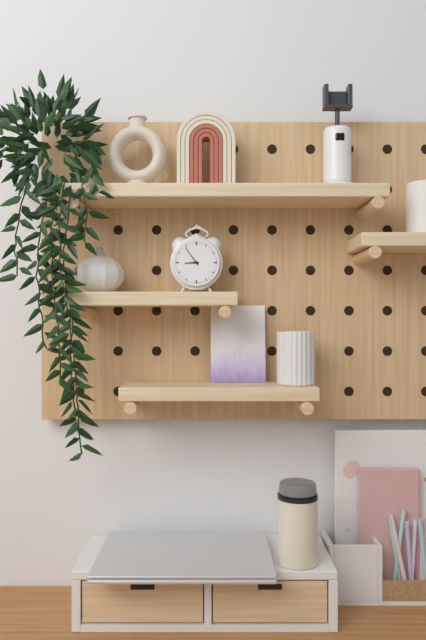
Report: {"hour": 8, "minute": 54}
